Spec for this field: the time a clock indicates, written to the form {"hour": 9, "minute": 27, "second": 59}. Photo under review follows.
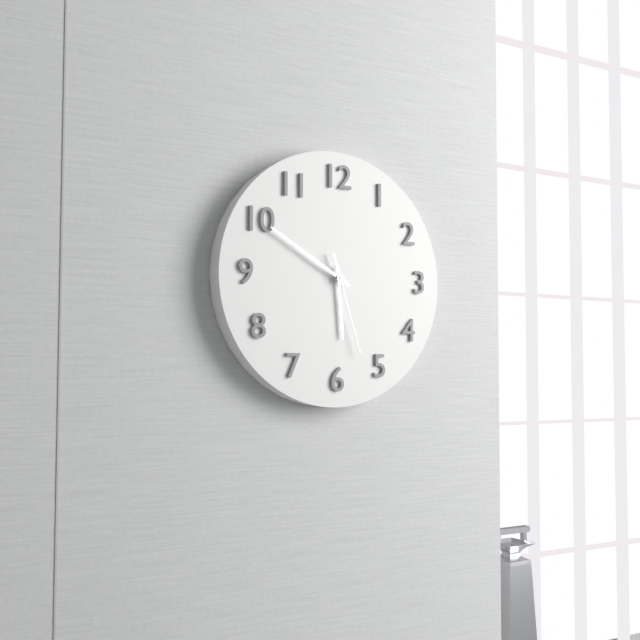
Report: {"hour": 5, "minute": 50, "second": 27}
